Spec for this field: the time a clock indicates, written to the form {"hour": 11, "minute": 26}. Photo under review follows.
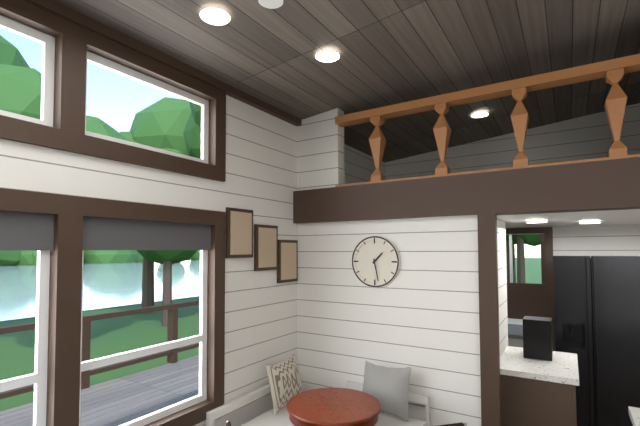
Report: {"hour": 1, "minute": 28}
